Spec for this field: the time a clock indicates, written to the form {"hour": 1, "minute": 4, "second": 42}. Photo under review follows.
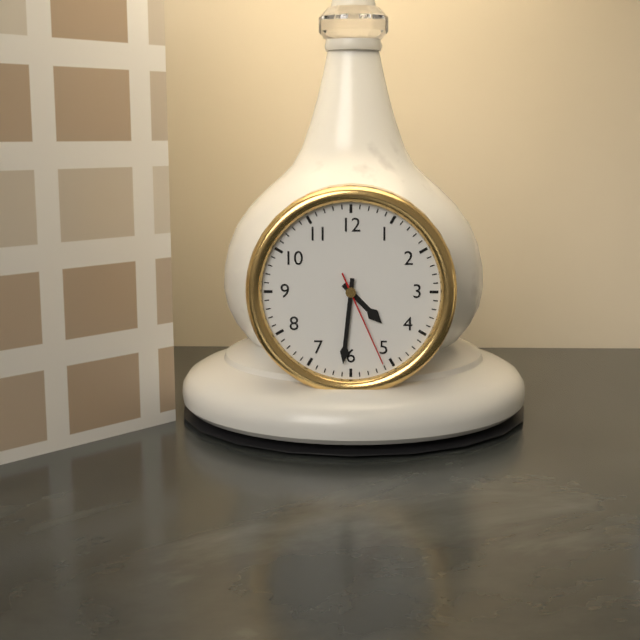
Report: {"hour": 4, "minute": 31, "second": 26}
